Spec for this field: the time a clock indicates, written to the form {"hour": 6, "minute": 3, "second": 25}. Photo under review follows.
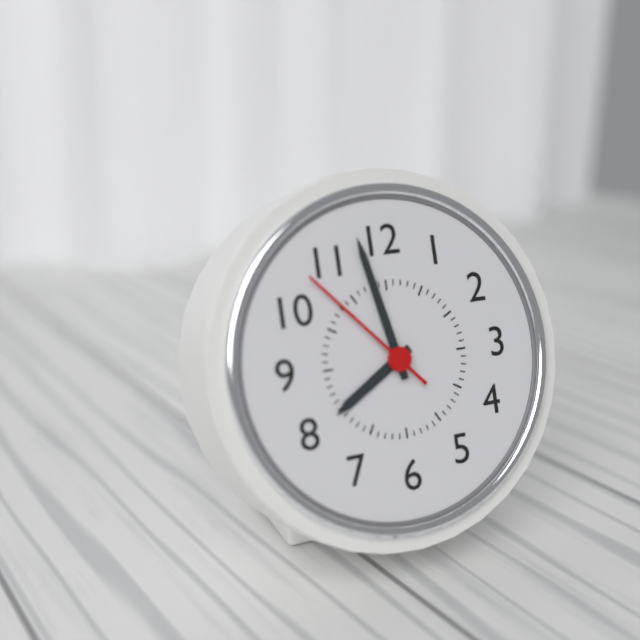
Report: {"hour": 7, "minute": 58, "second": 53}
